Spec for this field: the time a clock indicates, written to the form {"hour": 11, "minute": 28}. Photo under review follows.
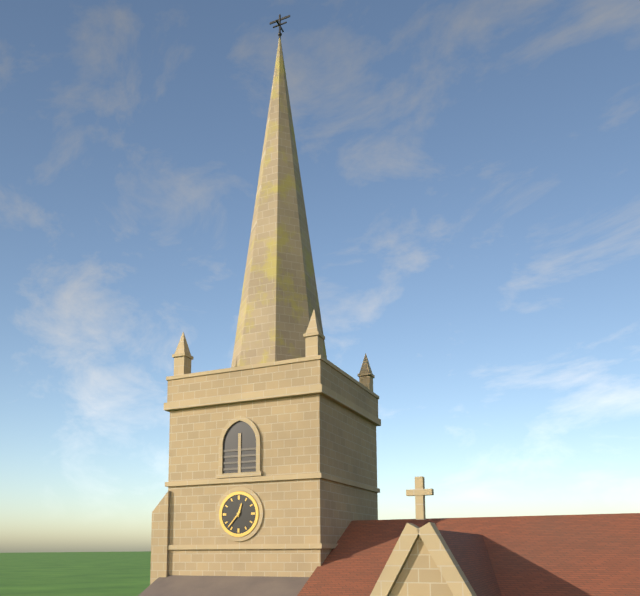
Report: {"hour": 12, "minute": 37}
